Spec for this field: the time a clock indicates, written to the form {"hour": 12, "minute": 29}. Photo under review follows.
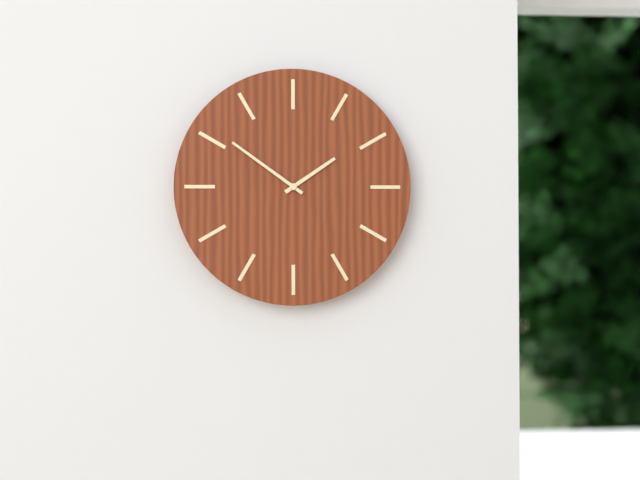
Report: {"hour": 1, "minute": 51}
